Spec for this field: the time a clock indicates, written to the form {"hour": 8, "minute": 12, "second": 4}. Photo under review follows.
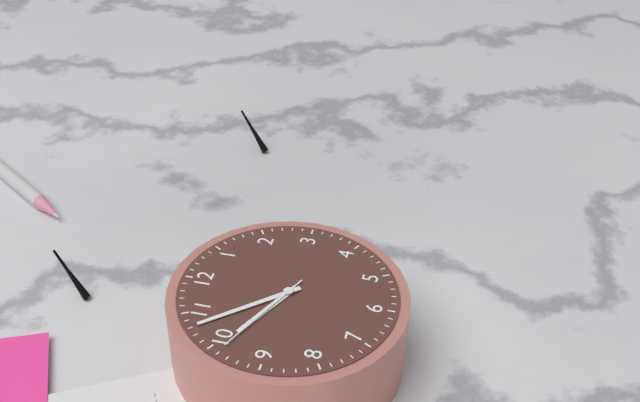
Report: {"hour": 9, "minute": 53, "second": 49}
